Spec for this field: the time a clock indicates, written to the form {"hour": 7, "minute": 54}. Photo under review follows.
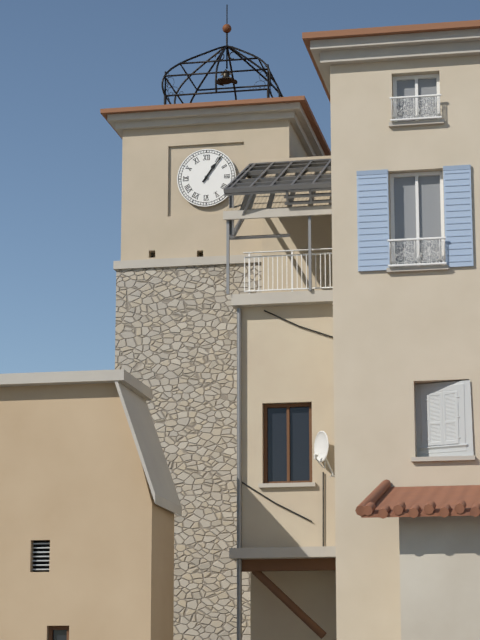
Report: {"hour": 1, "minute": 6}
